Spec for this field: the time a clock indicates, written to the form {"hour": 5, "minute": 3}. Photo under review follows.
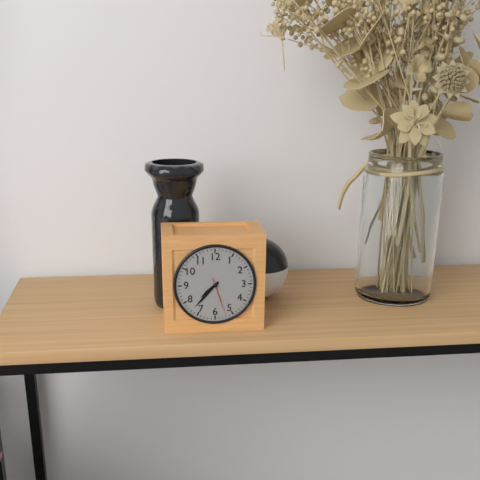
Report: {"hour": 7, "minute": 37}
